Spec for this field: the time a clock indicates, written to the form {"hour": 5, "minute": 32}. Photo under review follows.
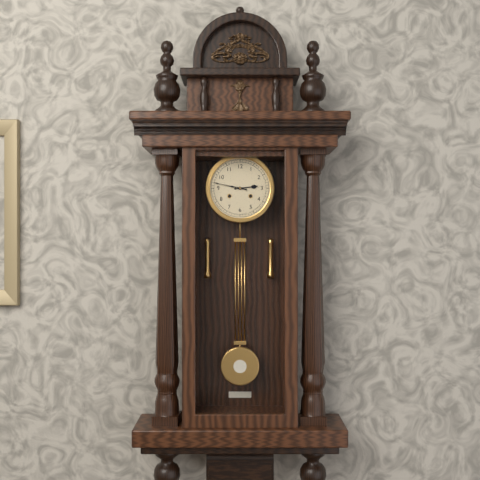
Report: {"hour": 2, "minute": 47}
